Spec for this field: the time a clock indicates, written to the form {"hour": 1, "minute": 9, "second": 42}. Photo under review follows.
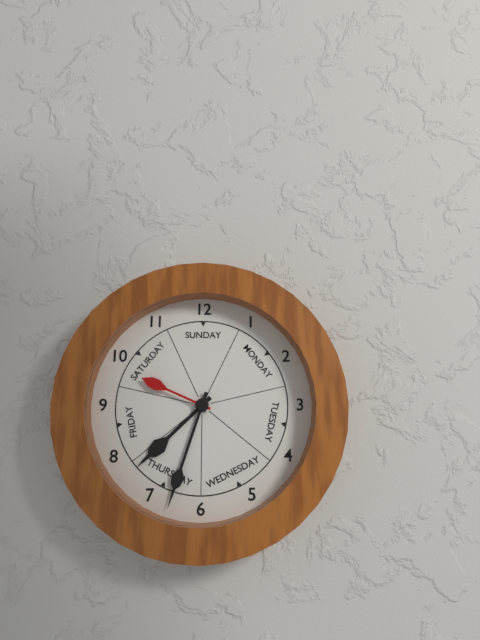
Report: {"hour": 7, "minute": 33, "second": 49}
